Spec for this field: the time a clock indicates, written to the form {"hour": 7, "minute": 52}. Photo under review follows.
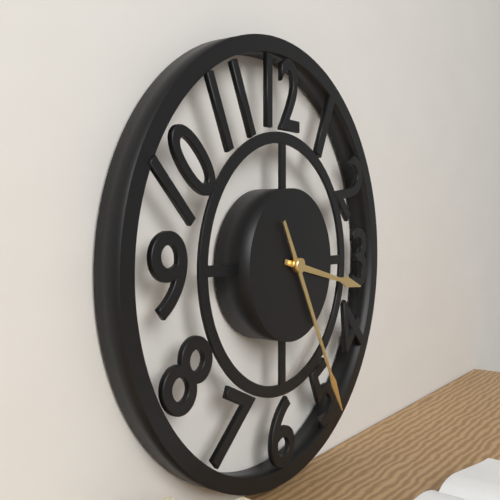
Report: {"hour": 3, "minute": 25}
